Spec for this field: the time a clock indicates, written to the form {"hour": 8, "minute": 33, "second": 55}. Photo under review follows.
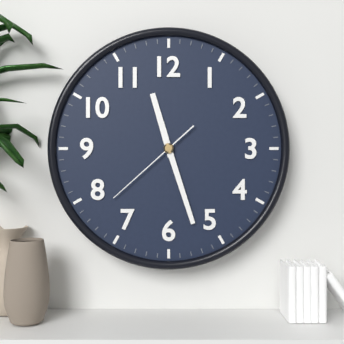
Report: {"hour": 11, "minute": 27, "second": 38}
